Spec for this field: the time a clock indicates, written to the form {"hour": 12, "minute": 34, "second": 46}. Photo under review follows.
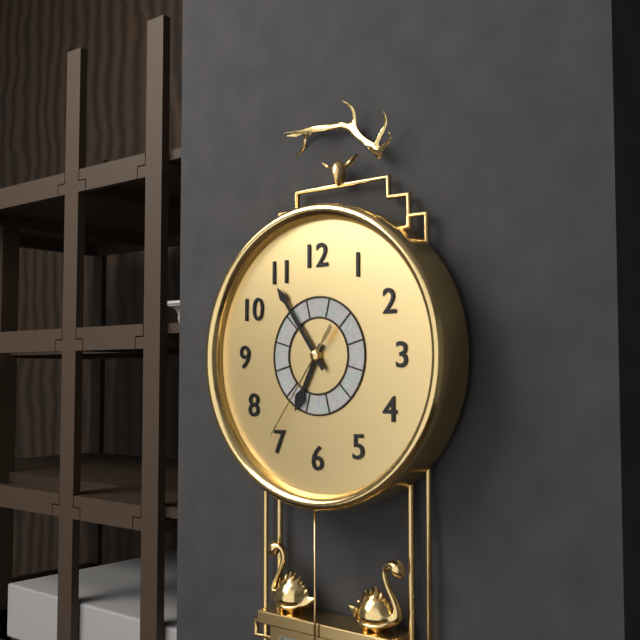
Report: {"hour": 6, "minute": 54, "second": 36}
